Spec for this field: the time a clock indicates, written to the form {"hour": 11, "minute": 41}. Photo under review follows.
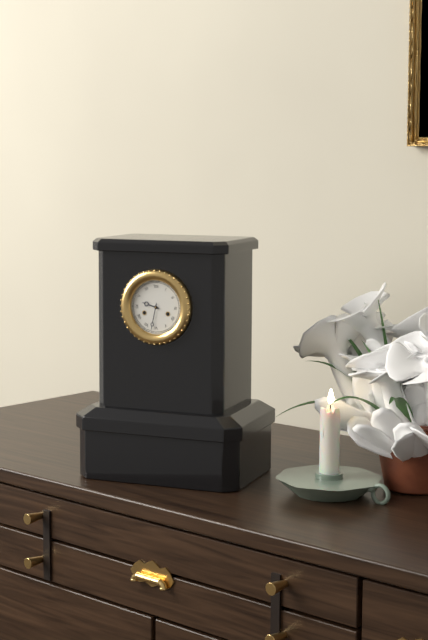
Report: {"hour": 9, "minute": 32}
